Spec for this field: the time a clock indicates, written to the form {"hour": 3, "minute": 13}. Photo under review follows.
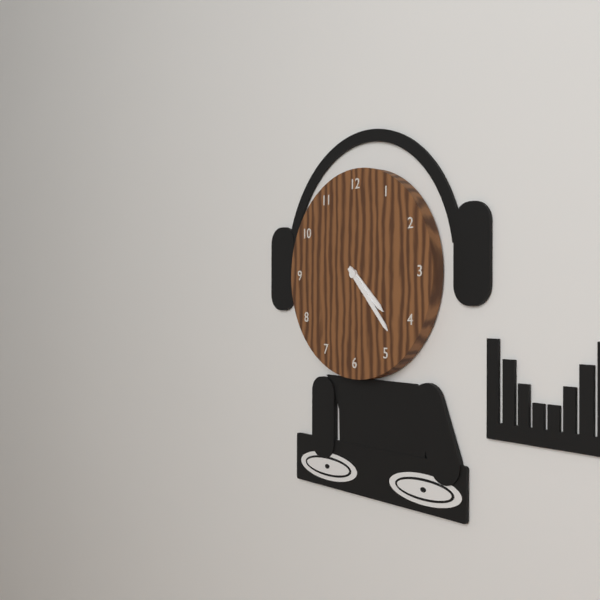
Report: {"hour": 4, "minute": 23}
